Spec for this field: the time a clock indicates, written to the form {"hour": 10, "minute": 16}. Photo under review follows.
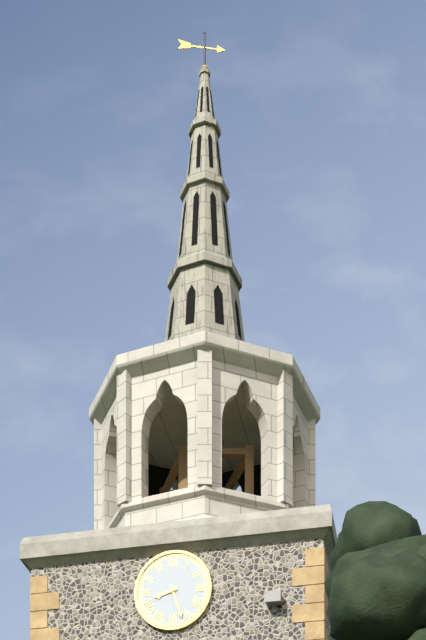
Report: {"hour": 8, "minute": 27}
